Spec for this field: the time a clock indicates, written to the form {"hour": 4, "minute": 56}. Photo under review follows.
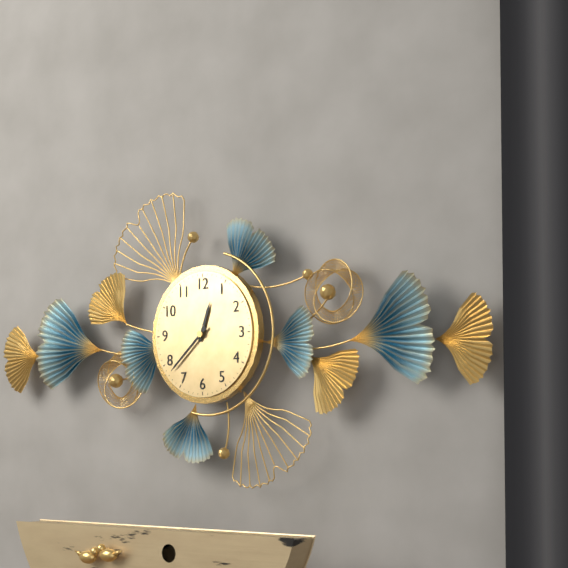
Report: {"hour": 12, "minute": 38}
